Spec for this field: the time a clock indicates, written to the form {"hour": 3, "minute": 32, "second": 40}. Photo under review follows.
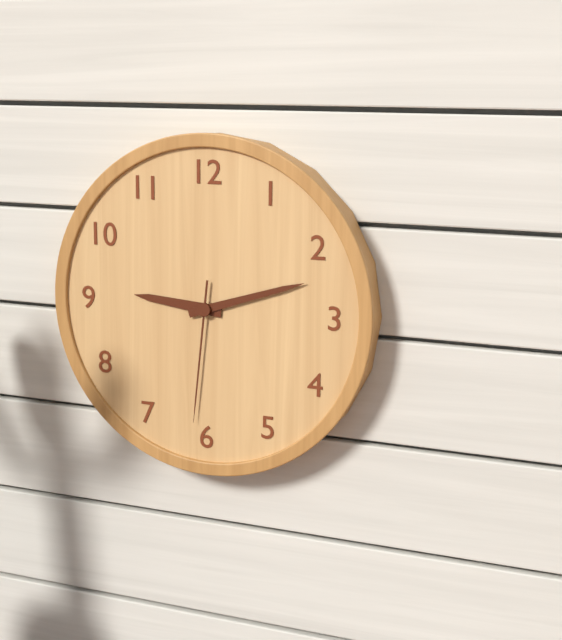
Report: {"hour": 9, "minute": 12, "second": 31}
